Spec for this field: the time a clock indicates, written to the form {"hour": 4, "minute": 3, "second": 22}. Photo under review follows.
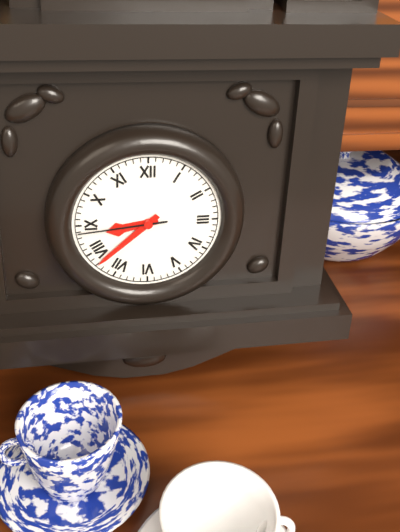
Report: {"hour": 8, "minute": 38, "second": 44}
